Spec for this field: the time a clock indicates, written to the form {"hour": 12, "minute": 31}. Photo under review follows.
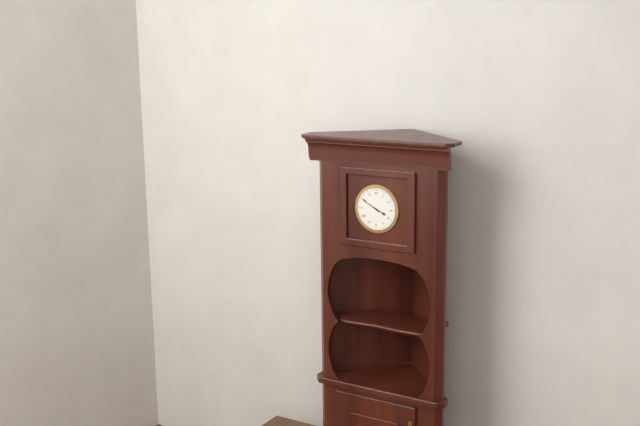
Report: {"hour": 3, "minute": 50}
